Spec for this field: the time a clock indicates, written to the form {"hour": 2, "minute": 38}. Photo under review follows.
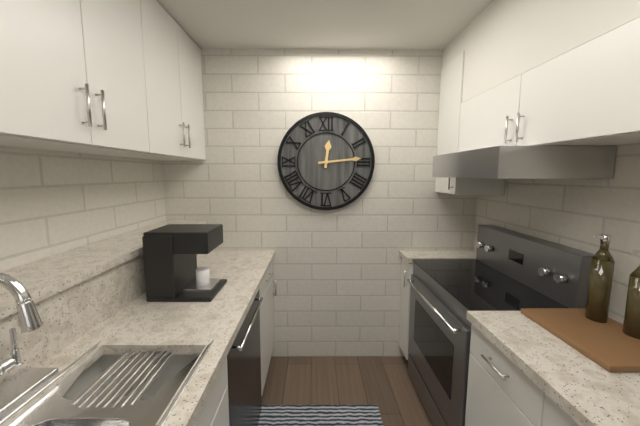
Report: {"hour": 12, "minute": 14}
